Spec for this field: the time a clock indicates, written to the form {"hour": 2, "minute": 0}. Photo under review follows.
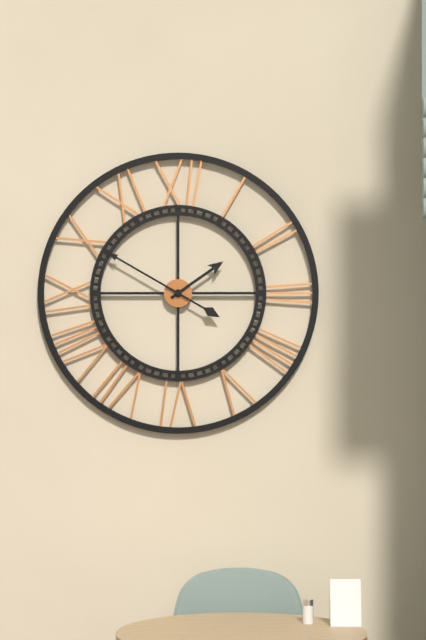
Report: {"hour": 1, "minute": 50}
